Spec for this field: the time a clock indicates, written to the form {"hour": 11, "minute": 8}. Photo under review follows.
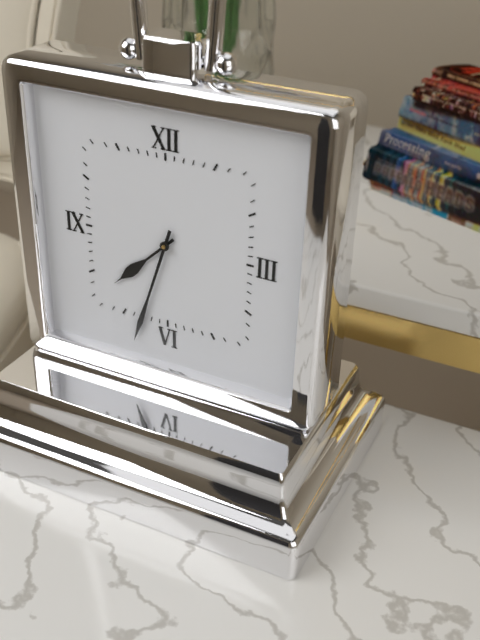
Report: {"hour": 7, "minute": 33}
